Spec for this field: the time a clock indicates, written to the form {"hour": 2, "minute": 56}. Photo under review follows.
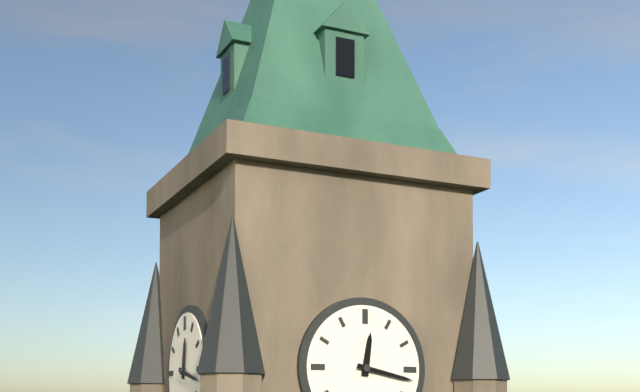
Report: {"hour": 12, "minute": 17}
